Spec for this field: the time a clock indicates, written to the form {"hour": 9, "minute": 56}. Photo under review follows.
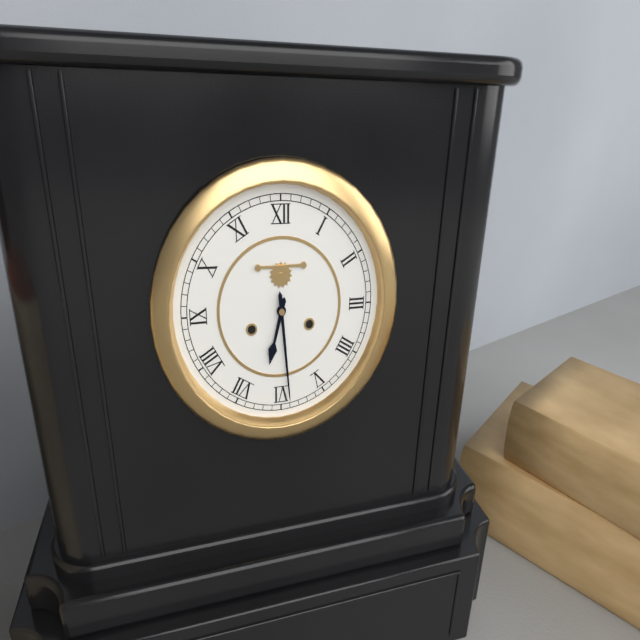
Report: {"hour": 6, "minute": 29}
